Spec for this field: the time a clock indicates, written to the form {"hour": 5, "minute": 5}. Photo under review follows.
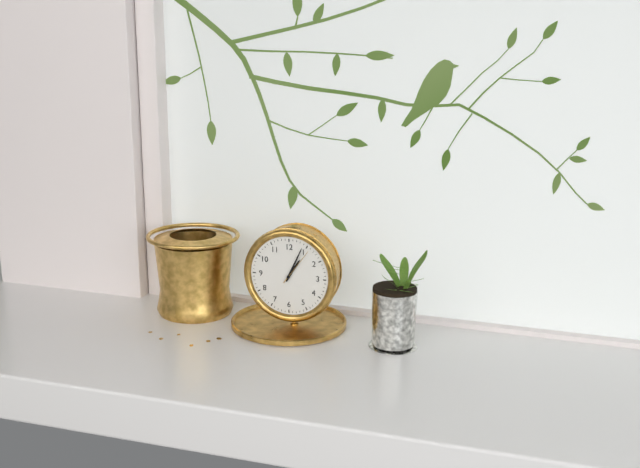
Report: {"hour": 1, "minute": 4}
